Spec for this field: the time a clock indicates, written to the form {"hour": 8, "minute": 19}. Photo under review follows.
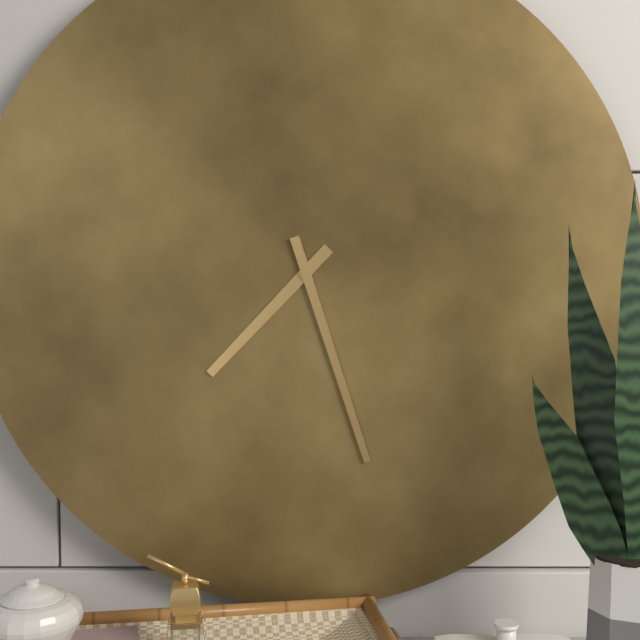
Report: {"hour": 7, "minute": 27}
